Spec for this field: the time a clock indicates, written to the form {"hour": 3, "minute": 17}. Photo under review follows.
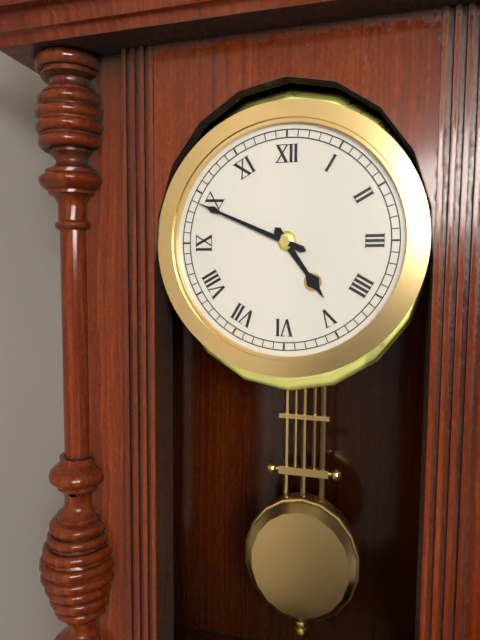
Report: {"hour": 4, "minute": 49}
